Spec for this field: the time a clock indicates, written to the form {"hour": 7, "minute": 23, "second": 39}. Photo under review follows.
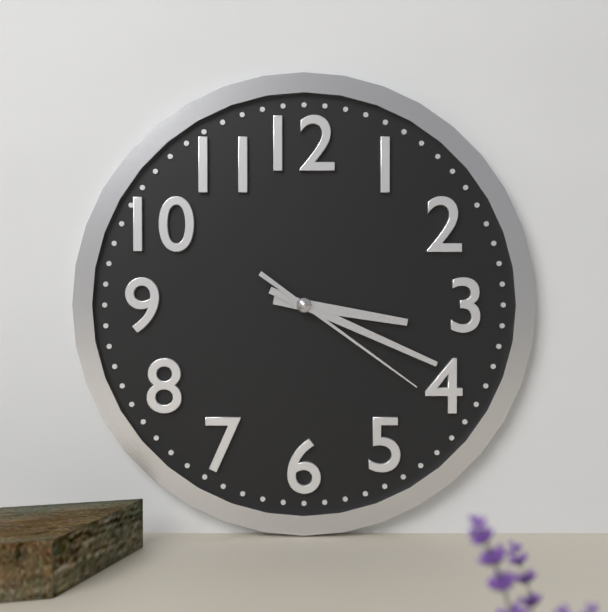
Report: {"hour": 3, "minute": 19, "second": 21}
